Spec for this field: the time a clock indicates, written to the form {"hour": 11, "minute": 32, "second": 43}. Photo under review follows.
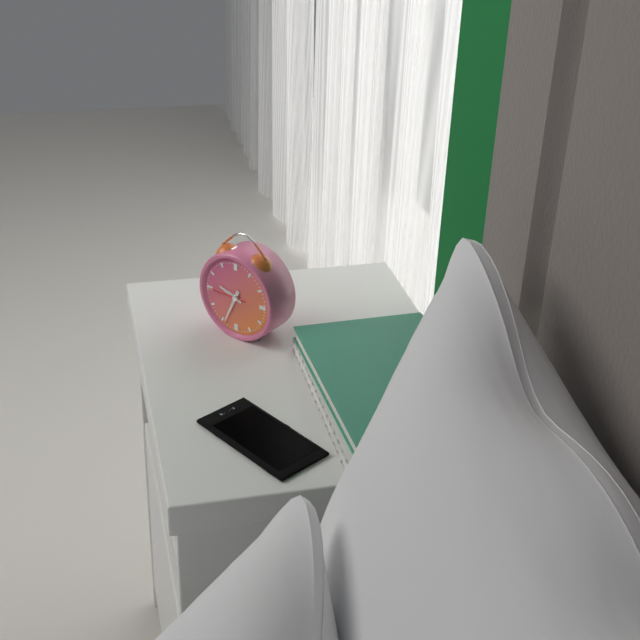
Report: {"hour": 9, "minute": 34, "second": 45}
